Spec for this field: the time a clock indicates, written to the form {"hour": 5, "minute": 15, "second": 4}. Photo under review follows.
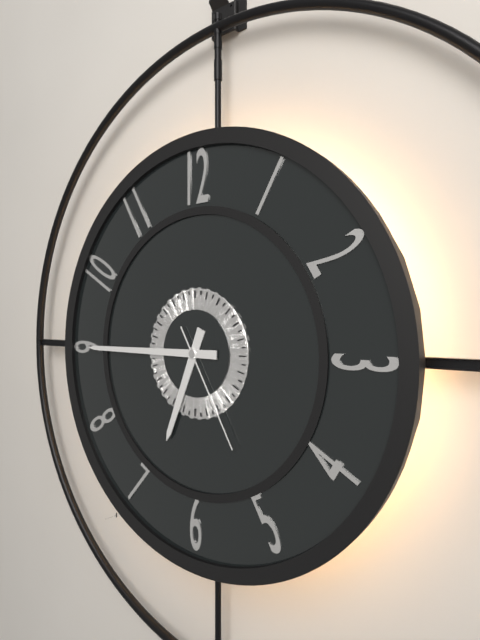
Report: {"hour": 6, "minute": 45, "second": 25}
